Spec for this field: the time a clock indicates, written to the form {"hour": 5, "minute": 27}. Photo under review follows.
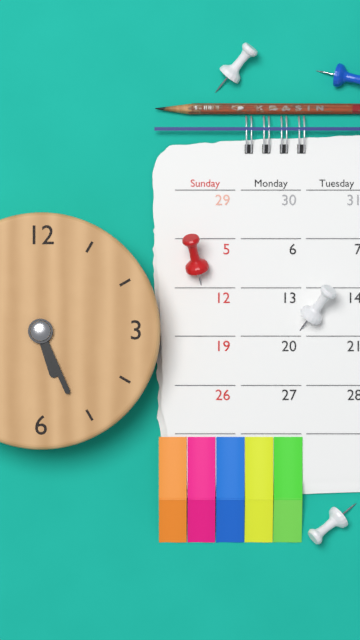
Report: {"hour": 5, "minute": 26}
